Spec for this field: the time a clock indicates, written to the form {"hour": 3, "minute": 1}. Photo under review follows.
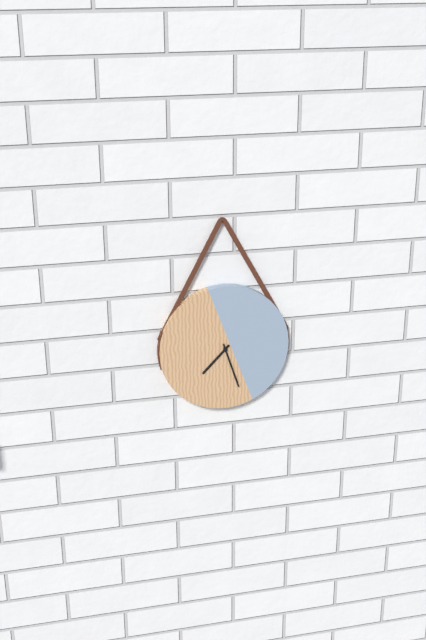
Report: {"hour": 7, "minute": 27}
